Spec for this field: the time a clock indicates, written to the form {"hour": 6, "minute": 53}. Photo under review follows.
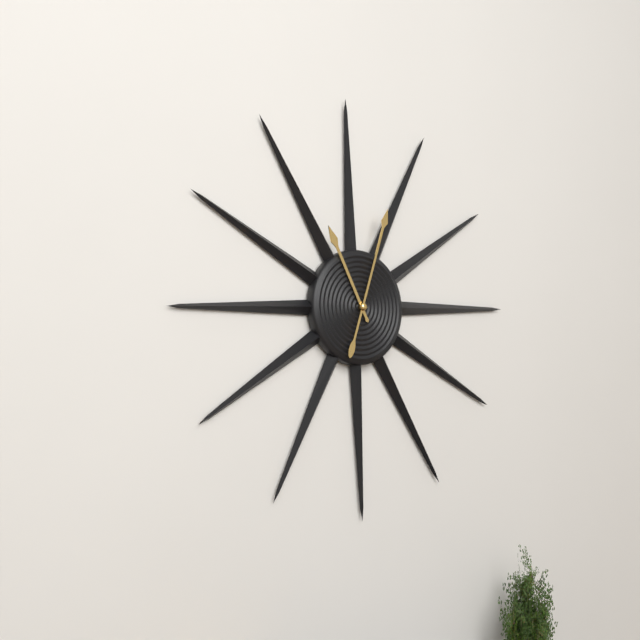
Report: {"hour": 11, "minute": 3}
